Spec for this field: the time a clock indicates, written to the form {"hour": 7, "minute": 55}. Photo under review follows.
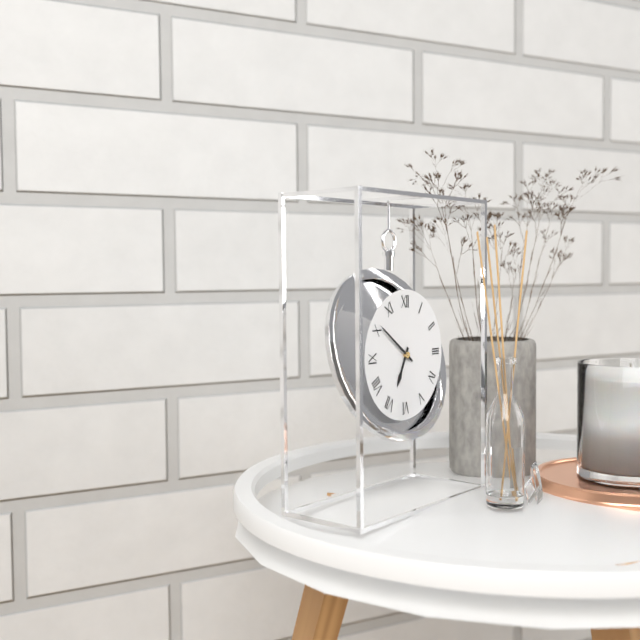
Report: {"hour": 6, "minute": 51}
